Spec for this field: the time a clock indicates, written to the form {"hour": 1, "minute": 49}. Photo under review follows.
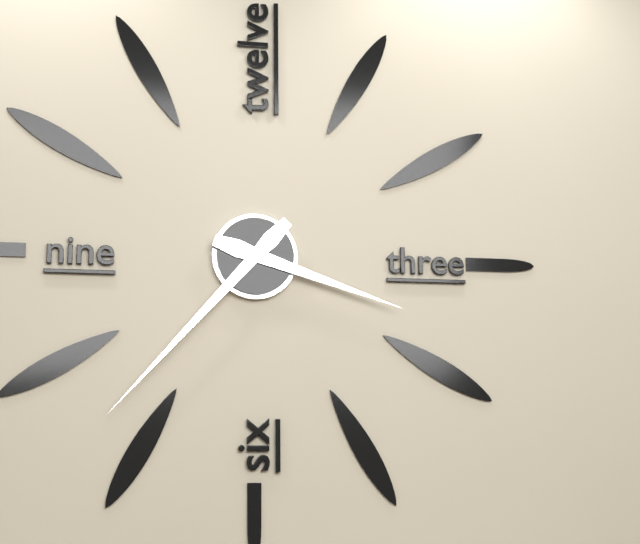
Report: {"hour": 3, "minute": 37}
